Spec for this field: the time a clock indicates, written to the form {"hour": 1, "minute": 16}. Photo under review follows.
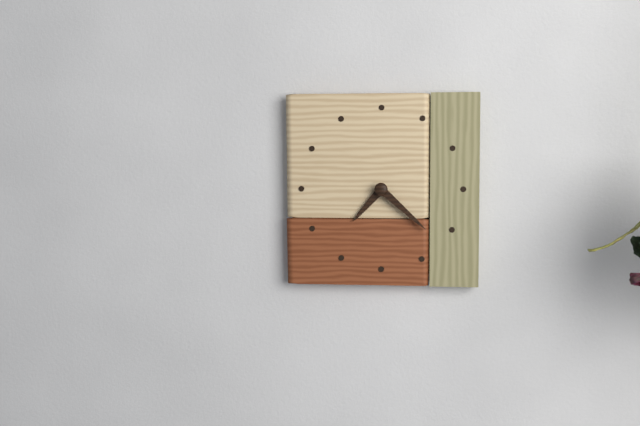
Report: {"hour": 7, "minute": 22}
